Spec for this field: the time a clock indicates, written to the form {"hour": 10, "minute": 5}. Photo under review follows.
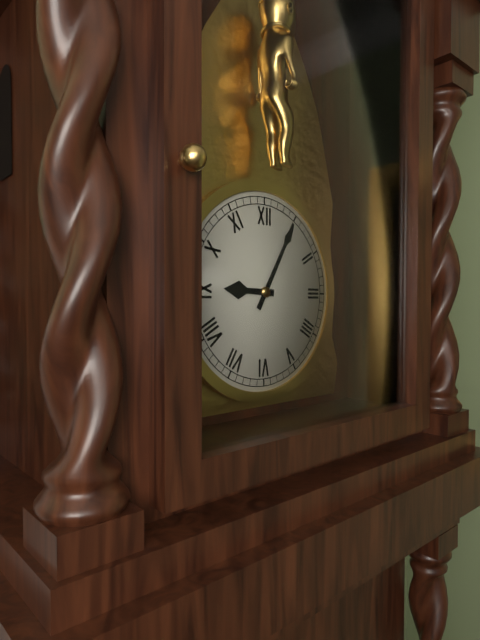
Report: {"hour": 9, "minute": 5}
